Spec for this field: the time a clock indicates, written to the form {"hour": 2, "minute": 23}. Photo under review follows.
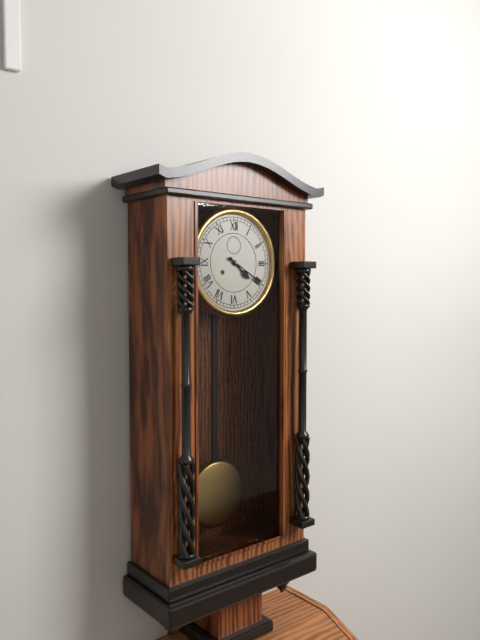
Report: {"hour": 4, "minute": 20}
